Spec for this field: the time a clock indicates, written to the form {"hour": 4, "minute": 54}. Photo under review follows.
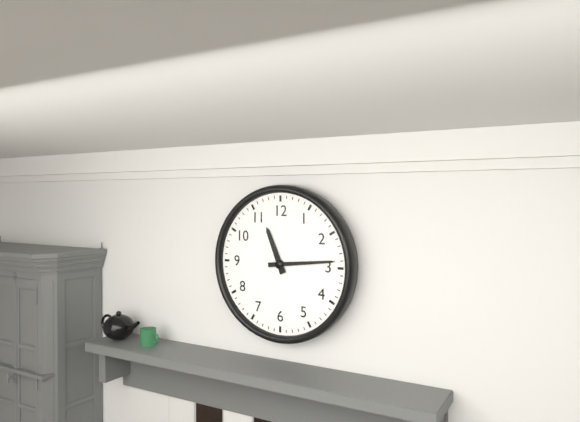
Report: {"hour": 11, "minute": 14}
